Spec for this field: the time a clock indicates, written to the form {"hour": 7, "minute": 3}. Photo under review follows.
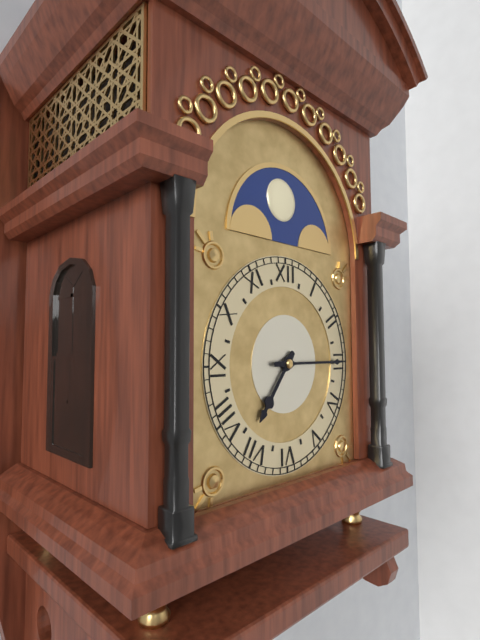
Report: {"hour": 7, "minute": 15}
